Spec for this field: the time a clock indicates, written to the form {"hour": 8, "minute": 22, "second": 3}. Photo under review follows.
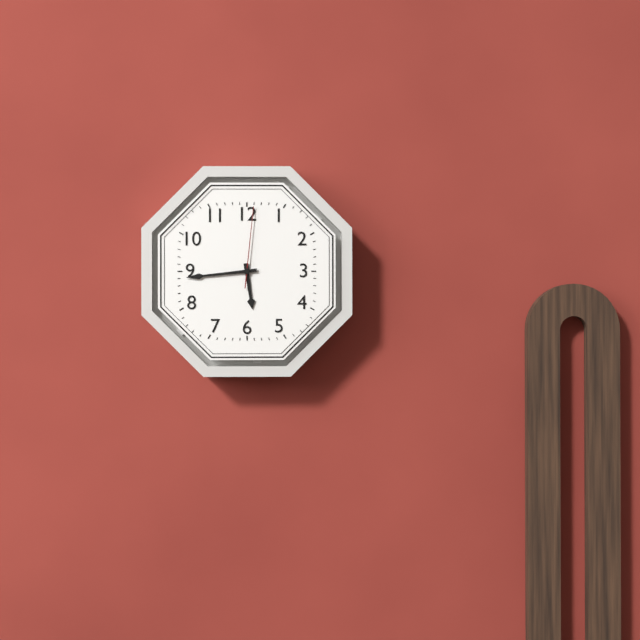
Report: {"hour": 5, "minute": 44, "second": 1}
